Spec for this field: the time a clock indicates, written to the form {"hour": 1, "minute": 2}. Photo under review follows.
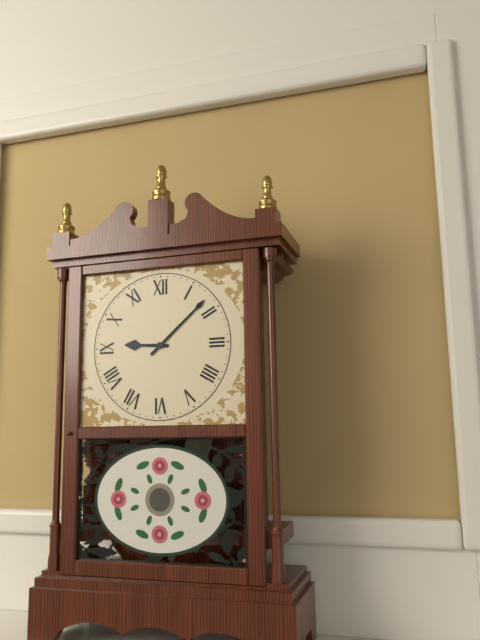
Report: {"hour": 9, "minute": 8}
